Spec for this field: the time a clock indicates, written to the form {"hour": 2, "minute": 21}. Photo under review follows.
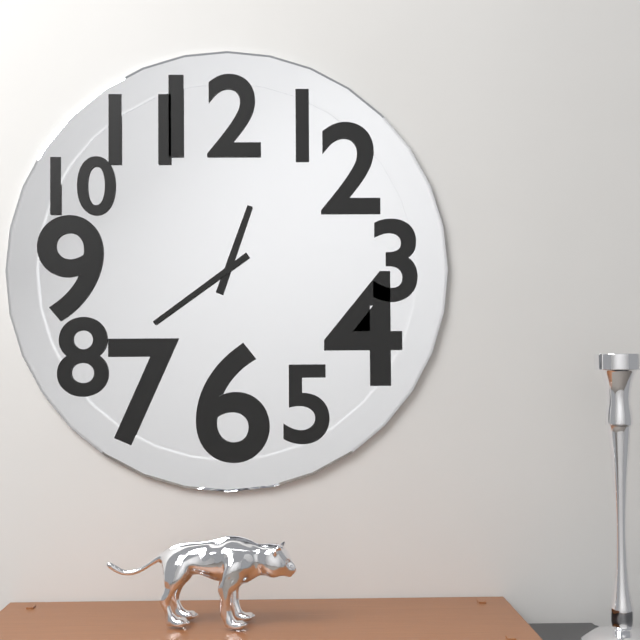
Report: {"hour": 12, "minute": 39}
